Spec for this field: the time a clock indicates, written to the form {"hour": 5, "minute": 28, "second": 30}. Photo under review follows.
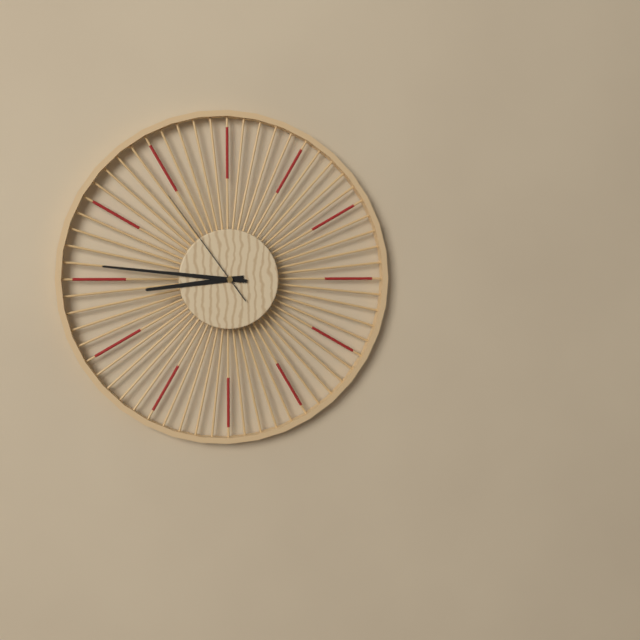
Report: {"hour": 8, "minute": 46, "second": 54}
